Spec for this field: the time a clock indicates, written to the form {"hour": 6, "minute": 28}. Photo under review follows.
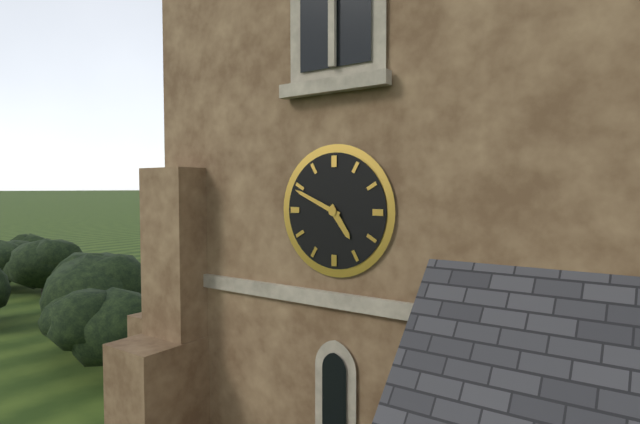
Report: {"hour": 4, "minute": 49}
